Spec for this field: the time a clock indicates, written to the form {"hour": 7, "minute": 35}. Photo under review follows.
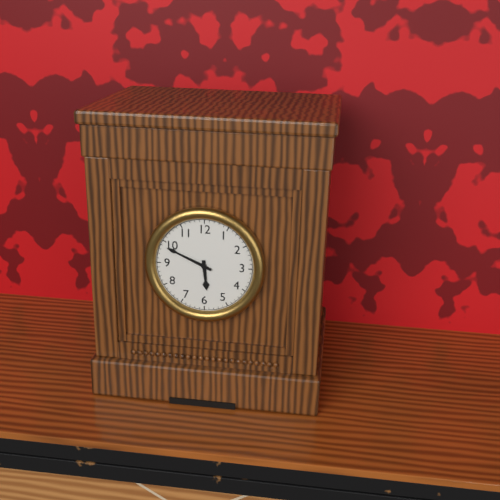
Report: {"hour": 5, "minute": 49}
